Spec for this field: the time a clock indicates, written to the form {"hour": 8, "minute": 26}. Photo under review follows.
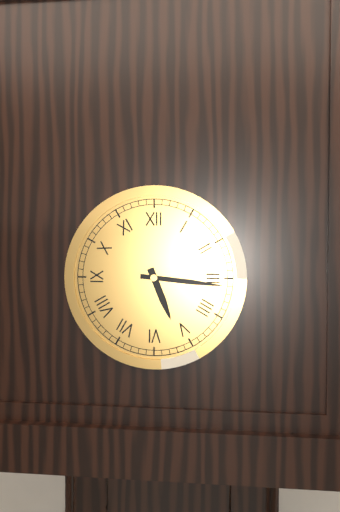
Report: {"hour": 5, "minute": 16}
